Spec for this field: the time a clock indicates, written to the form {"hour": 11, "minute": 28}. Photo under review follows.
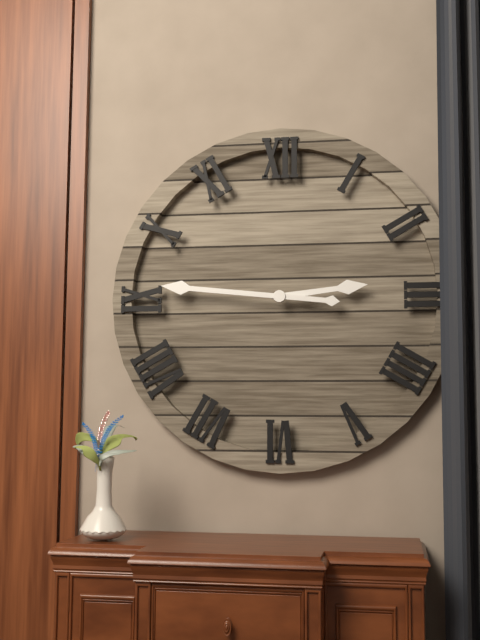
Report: {"hour": 2, "minute": 46}
